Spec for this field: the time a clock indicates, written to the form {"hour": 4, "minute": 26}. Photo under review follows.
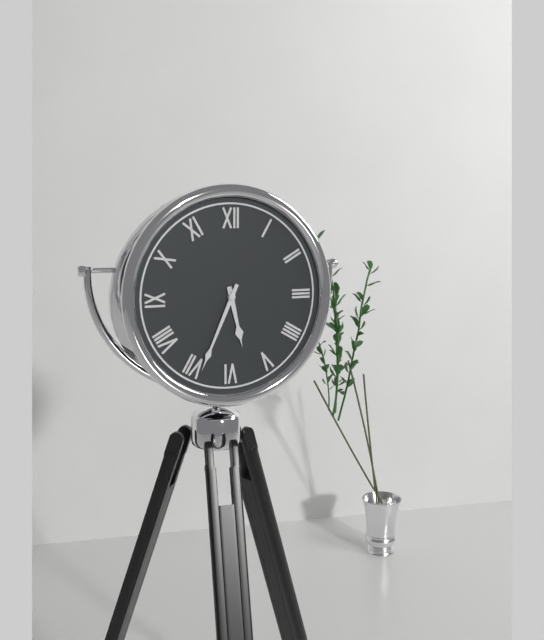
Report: {"hour": 5, "minute": 34}
